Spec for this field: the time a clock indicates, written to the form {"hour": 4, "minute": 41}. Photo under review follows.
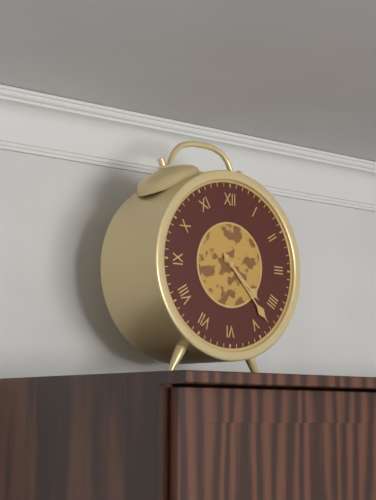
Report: {"hour": 4, "minute": 23}
